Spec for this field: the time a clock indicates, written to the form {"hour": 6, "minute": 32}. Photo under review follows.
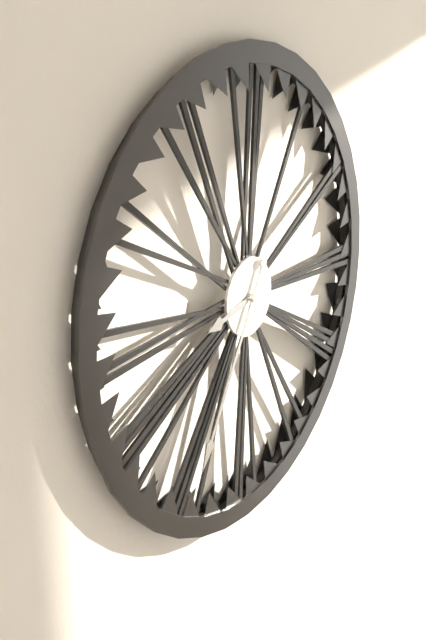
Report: {"hour": 8, "minute": 35}
